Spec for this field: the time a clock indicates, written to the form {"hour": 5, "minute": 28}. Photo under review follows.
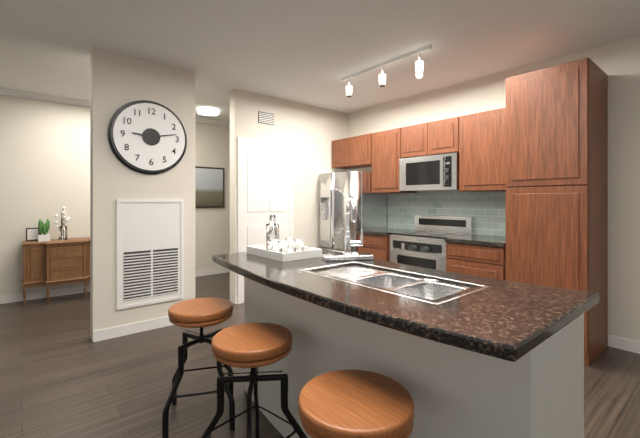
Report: {"hour": 9, "minute": 13}
